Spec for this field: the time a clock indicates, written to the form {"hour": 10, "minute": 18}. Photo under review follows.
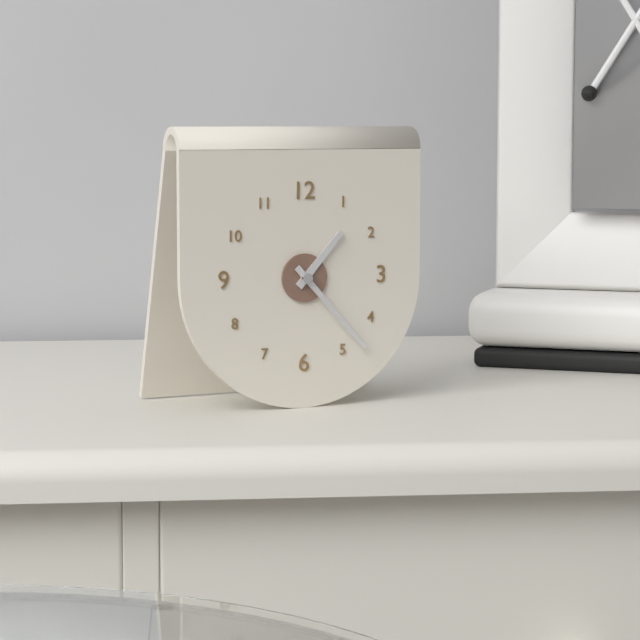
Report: {"hour": 1, "minute": 23}
